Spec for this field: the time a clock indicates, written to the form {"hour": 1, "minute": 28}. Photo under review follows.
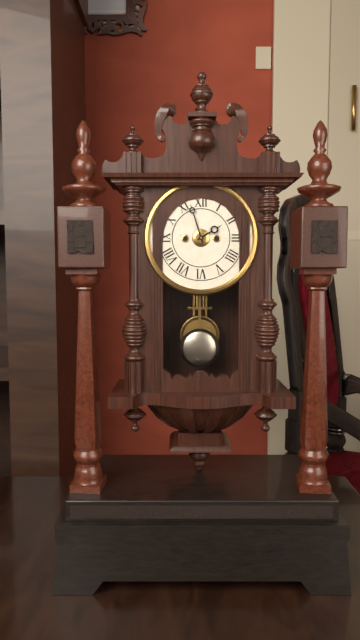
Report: {"hour": 1, "minute": 57}
